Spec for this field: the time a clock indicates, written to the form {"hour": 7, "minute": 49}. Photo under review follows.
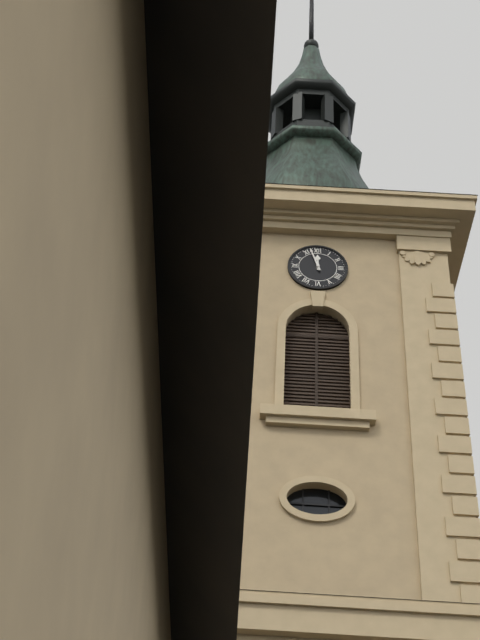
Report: {"hour": 11, "minute": 57}
